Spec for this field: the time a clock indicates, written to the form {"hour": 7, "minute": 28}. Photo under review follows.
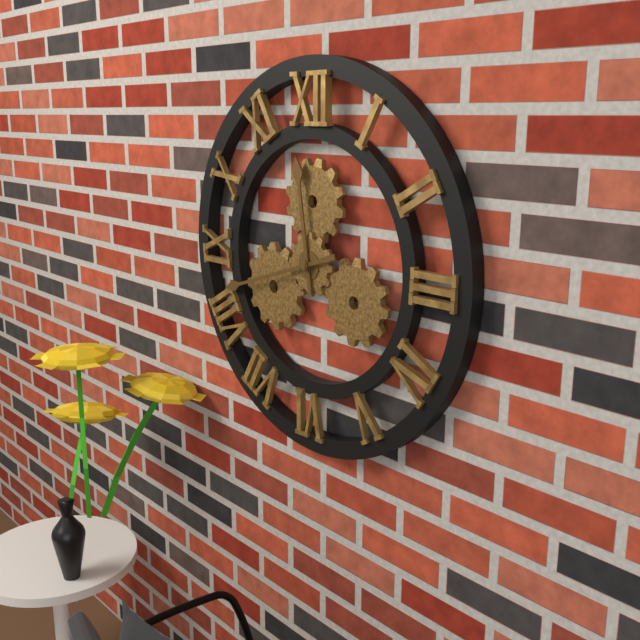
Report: {"hour": 11, "minute": 42}
